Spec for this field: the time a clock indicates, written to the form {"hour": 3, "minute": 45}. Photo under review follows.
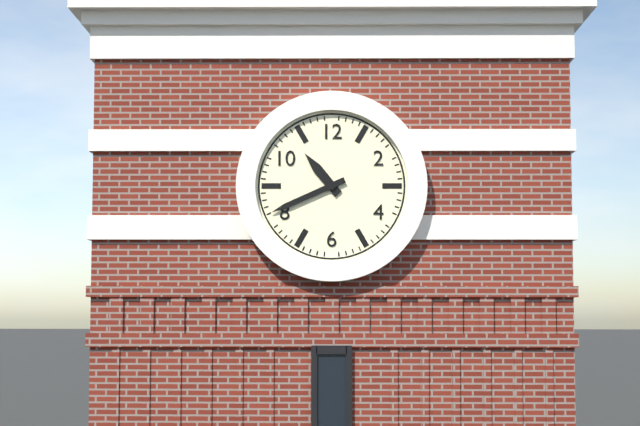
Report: {"hour": 10, "minute": 41}
